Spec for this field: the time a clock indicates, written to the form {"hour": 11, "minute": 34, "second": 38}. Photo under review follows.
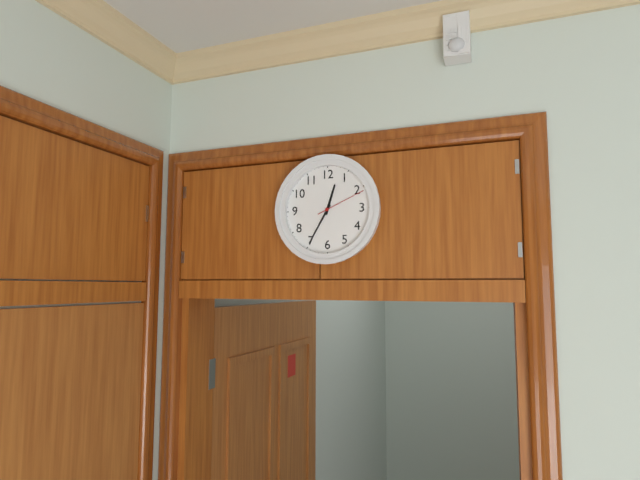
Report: {"hour": 12, "minute": 35, "second": 11}
